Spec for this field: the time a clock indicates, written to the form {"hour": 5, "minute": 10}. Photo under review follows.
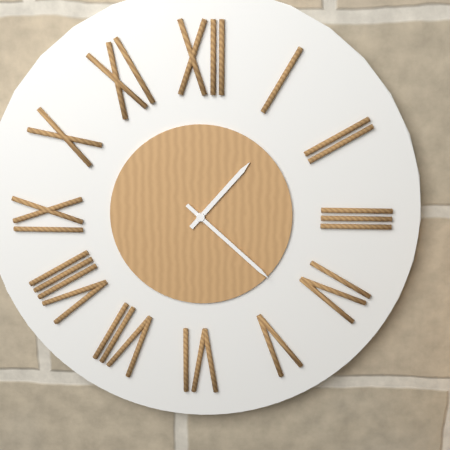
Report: {"hour": 1, "minute": 22}
